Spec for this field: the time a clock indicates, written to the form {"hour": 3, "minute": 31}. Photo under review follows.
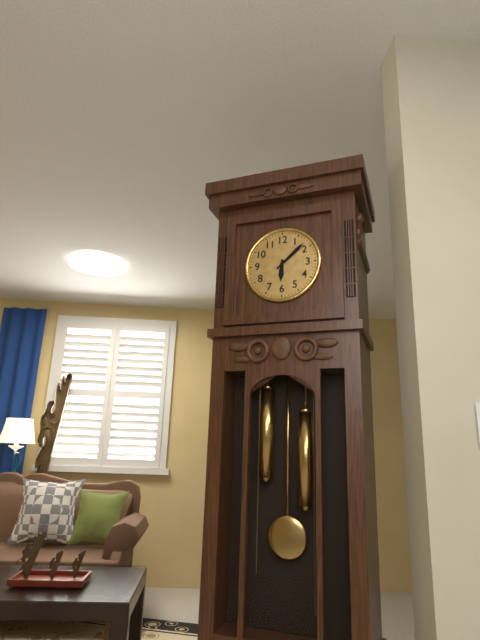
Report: {"hour": 6, "minute": 8}
